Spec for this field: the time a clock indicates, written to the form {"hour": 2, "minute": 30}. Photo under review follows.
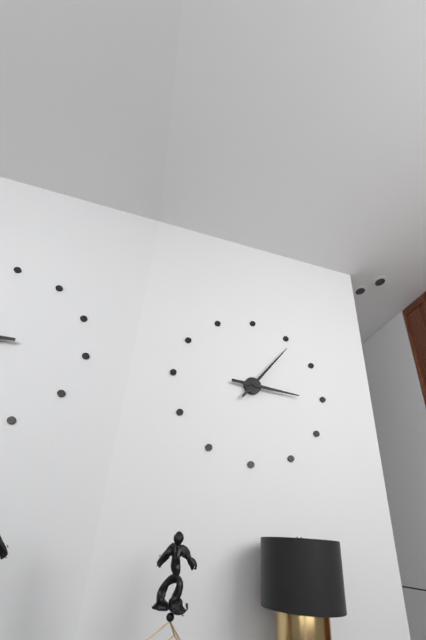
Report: {"hour": 3, "minute": 6}
